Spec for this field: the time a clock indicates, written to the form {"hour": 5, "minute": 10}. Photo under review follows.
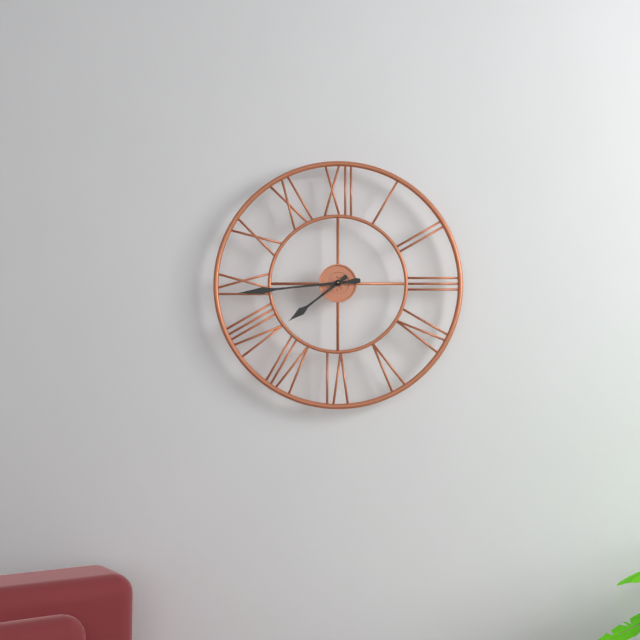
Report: {"hour": 7, "minute": 44}
